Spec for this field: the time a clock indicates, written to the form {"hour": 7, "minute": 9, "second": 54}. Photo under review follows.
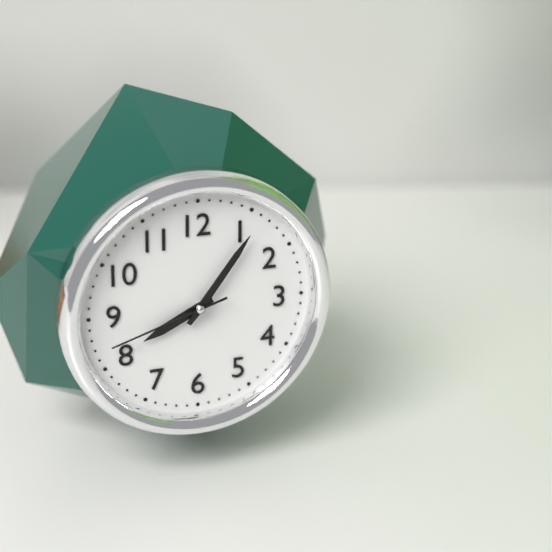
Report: {"hour": 8, "minute": 6, "second": 42}
